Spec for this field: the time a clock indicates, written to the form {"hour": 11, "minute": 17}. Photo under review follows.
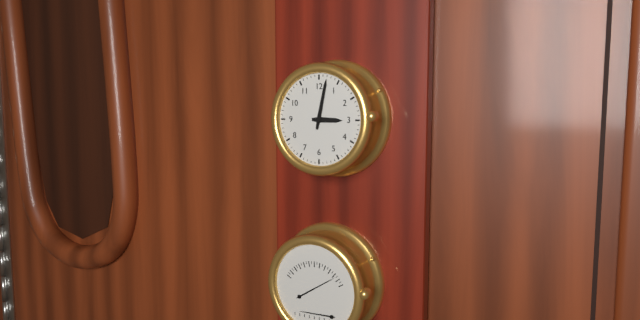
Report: {"hour": 3, "minute": 2}
